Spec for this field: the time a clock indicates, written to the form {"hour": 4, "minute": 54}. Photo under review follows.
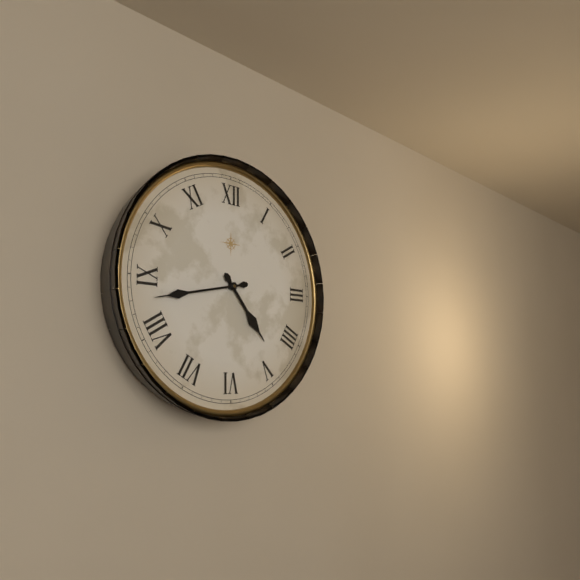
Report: {"hour": 4, "minute": 43}
